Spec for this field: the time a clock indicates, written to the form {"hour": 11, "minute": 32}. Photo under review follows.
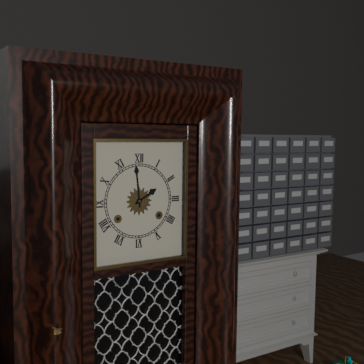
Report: {"hour": 1, "minute": 59}
